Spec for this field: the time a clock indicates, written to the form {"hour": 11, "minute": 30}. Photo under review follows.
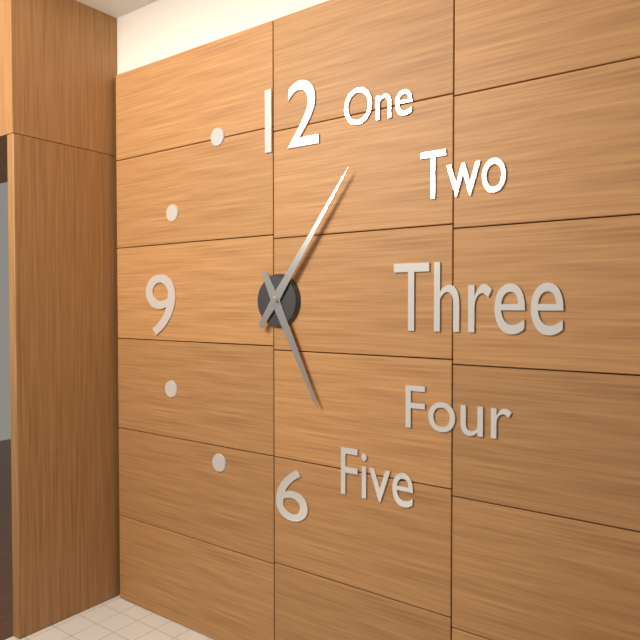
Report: {"hour": 5, "minute": 6}
